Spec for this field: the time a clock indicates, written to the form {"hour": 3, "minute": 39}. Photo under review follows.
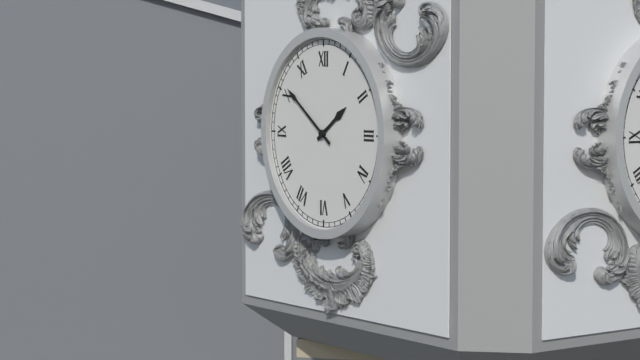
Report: {"hour": 1, "minute": 51}
